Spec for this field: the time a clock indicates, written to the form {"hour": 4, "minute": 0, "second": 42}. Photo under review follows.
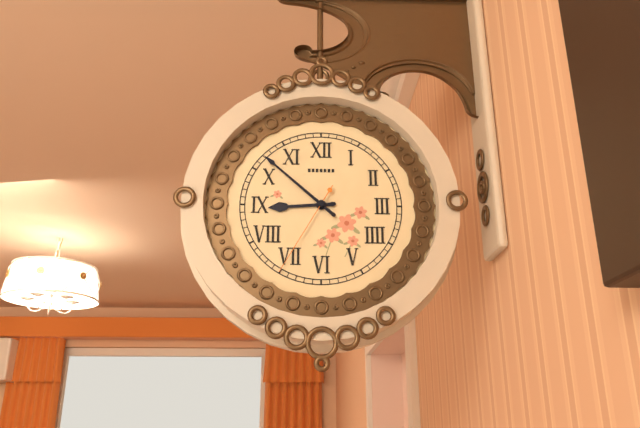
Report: {"hour": 8, "minute": 52, "second": 35}
